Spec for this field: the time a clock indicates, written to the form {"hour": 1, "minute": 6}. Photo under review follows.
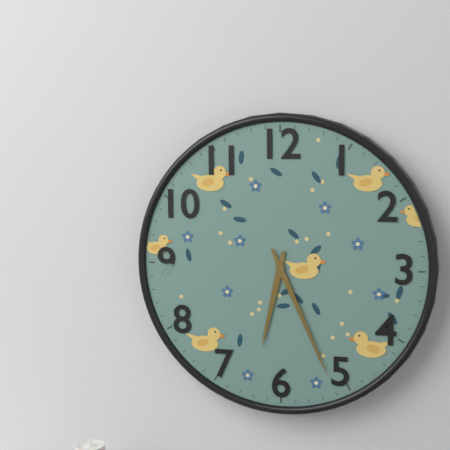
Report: {"hour": 6, "minute": 26}
